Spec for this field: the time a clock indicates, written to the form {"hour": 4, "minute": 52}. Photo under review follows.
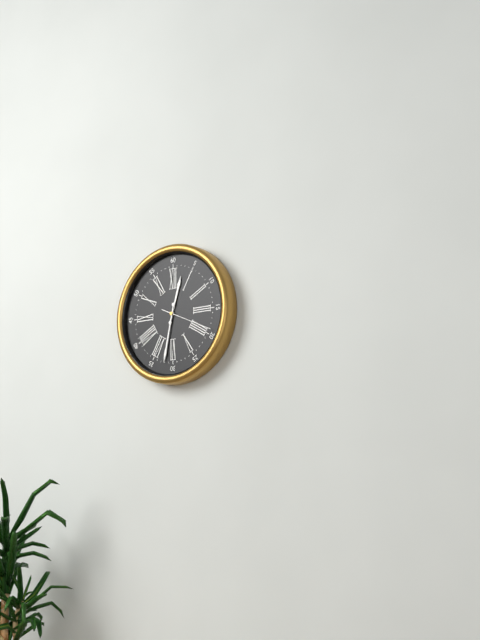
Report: {"hour": 12, "minute": 32}
